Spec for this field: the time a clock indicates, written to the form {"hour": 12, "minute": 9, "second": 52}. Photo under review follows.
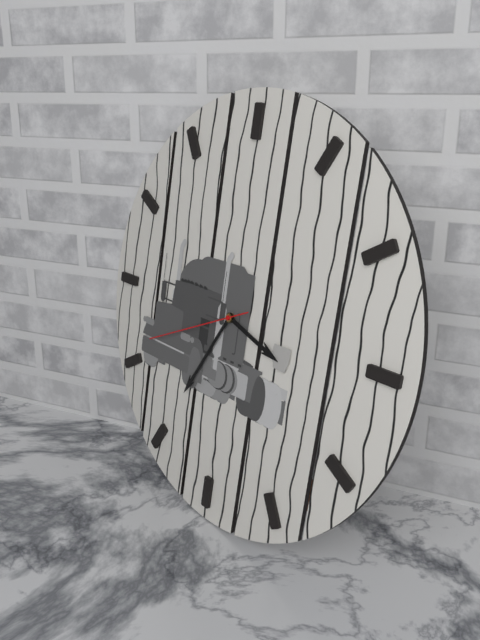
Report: {"hour": 3, "minute": 35, "second": 41}
